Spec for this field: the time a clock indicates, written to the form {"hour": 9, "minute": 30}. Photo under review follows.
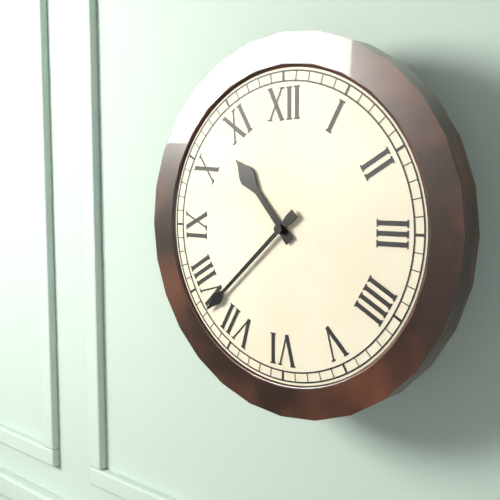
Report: {"hour": 10, "minute": 38}
